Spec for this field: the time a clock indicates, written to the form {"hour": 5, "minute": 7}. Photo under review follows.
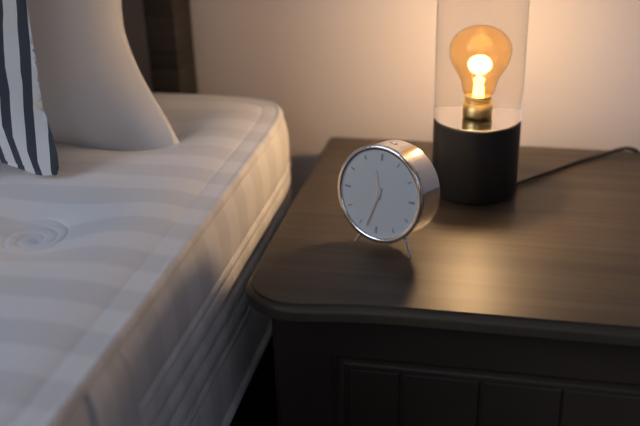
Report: {"hour": 11, "minute": 33}
